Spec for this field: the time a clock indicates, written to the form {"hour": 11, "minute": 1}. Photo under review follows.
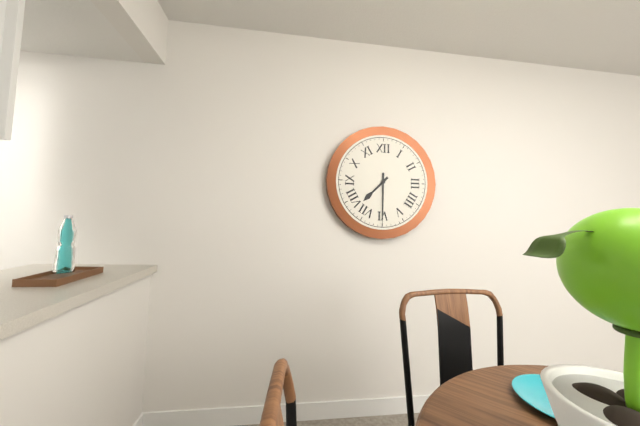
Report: {"hour": 7, "minute": 30}
